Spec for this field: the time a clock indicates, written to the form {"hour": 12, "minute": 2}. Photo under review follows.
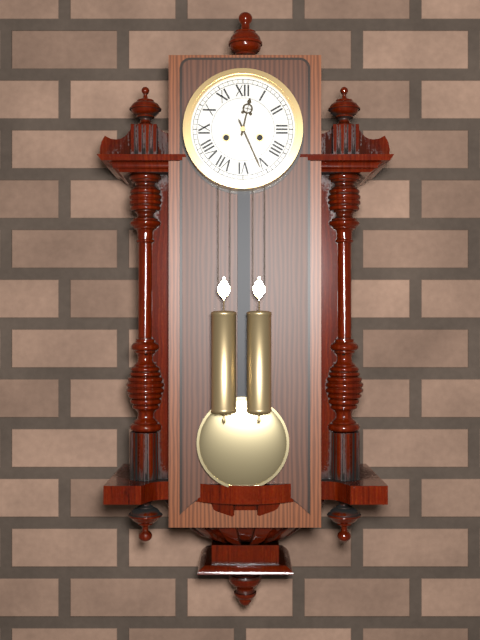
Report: {"hour": 12, "minute": 26}
